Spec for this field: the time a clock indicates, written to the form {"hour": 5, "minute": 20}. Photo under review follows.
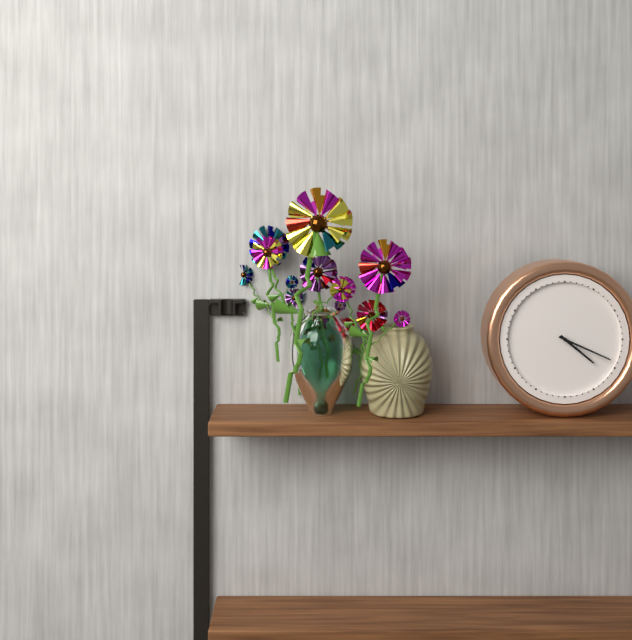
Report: {"hour": 4, "minute": 19}
